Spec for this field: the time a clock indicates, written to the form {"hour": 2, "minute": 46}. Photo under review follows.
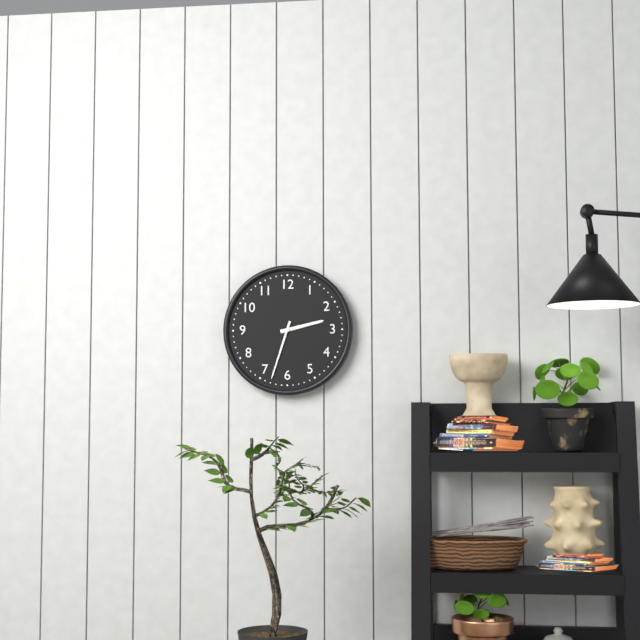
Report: {"hour": 2, "minute": 33}
